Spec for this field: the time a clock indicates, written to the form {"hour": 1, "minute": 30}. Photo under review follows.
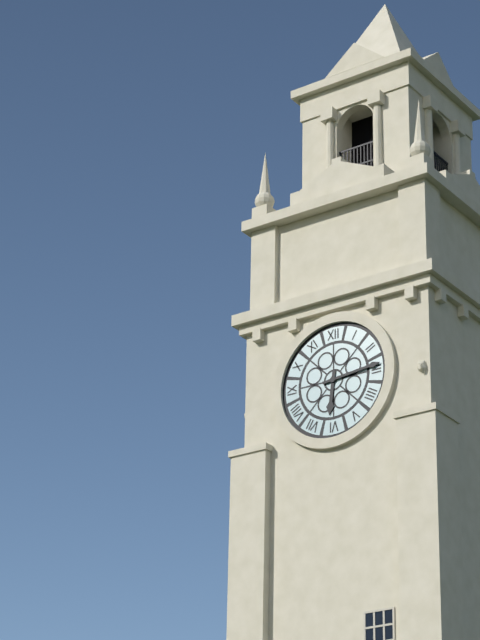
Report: {"hour": 6, "minute": 14}
